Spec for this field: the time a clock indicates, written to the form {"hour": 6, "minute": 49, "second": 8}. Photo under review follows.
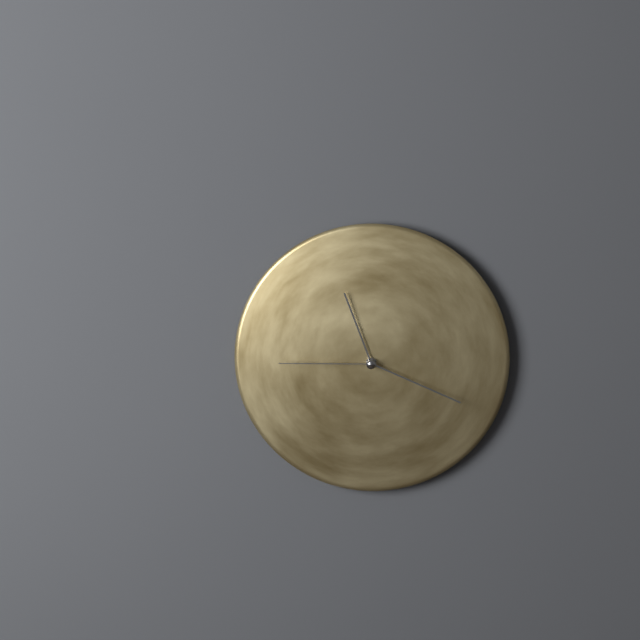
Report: {"hour": 11, "minute": 19, "second": 45}
